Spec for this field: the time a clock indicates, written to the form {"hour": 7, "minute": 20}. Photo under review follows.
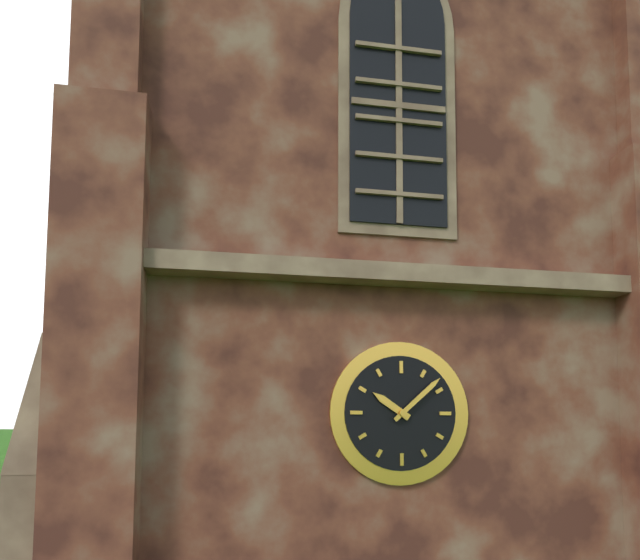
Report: {"hour": 10, "minute": 8}
